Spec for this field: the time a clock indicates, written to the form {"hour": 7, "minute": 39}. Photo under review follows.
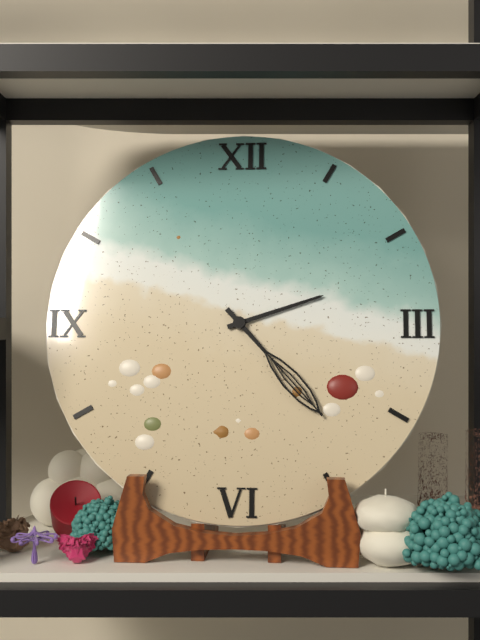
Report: {"hour": 2, "minute": 23}
